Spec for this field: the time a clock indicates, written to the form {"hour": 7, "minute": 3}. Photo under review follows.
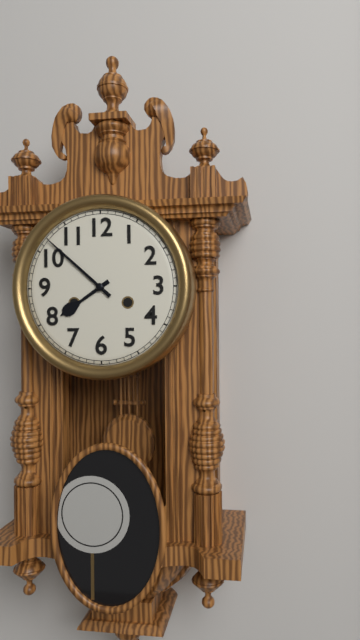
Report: {"hour": 7, "minute": 52}
